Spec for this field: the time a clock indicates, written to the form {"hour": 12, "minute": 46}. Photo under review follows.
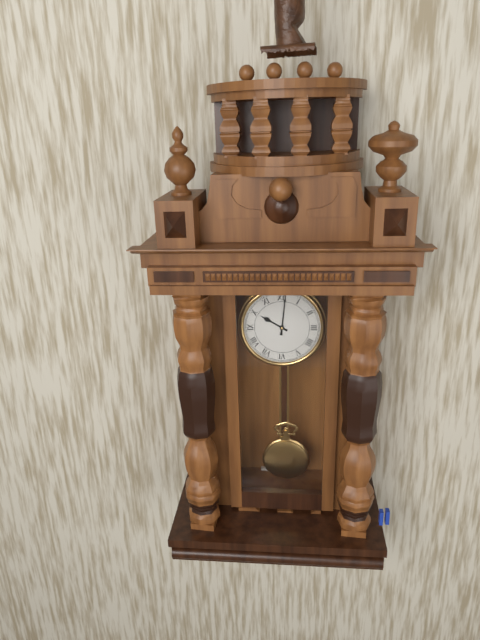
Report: {"hour": 10, "minute": 1}
